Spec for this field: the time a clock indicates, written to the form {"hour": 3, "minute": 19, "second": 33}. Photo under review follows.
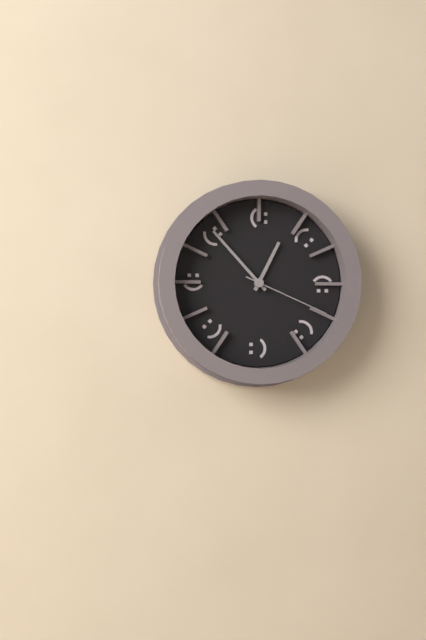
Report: {"hour": 12, "minute": 53, "second": 19}
